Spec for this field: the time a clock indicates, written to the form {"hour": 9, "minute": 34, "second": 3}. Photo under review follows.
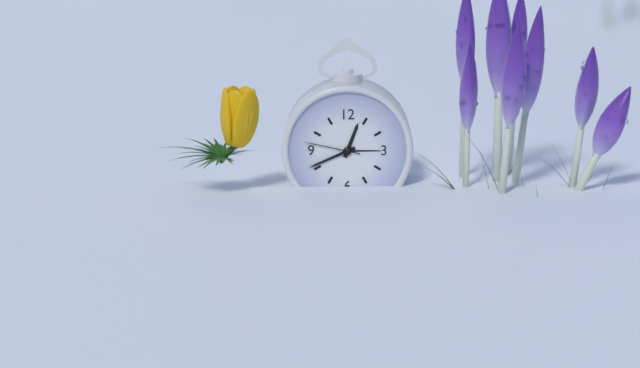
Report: {"hour": 12, "minute": 41, "second": 47}
